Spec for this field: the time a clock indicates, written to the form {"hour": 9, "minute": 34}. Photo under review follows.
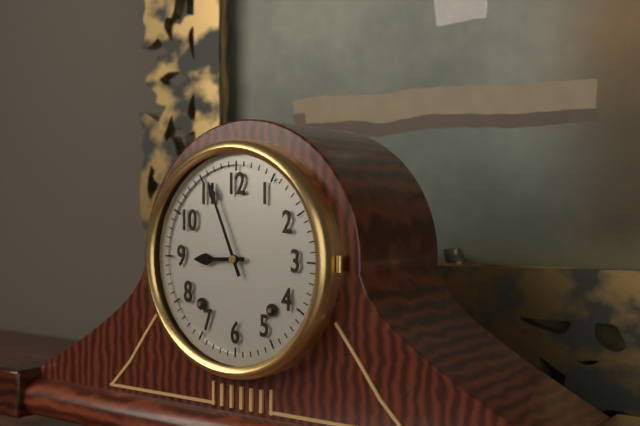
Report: {"hour": 8, "minute": 56}
